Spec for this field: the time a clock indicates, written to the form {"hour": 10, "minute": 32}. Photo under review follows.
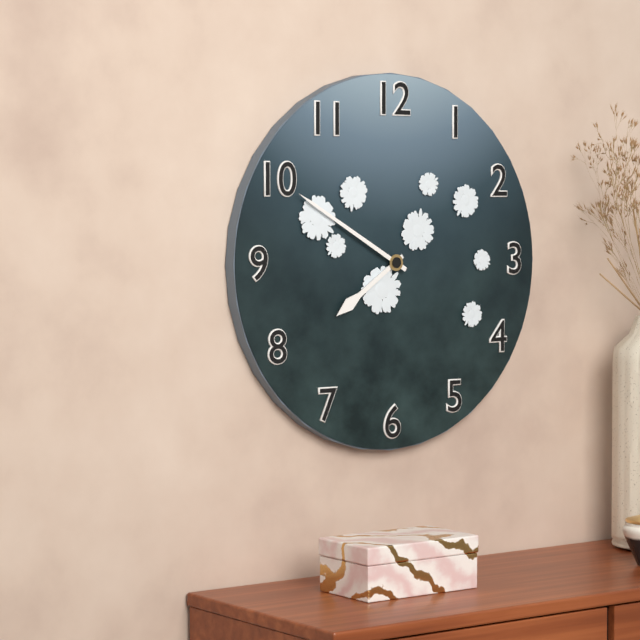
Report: {"hour": 7, "minute": 50}
